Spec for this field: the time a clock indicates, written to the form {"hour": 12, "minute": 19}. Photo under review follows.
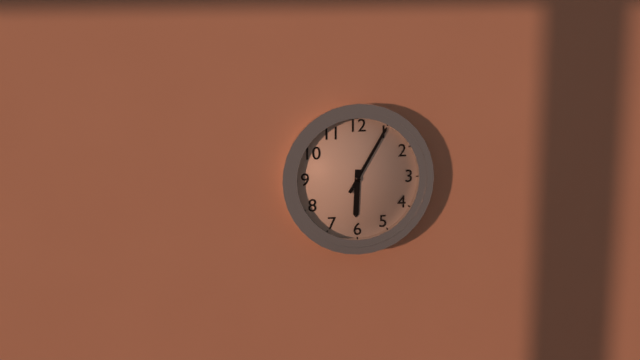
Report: {"hour": 6, "minute": 5}
